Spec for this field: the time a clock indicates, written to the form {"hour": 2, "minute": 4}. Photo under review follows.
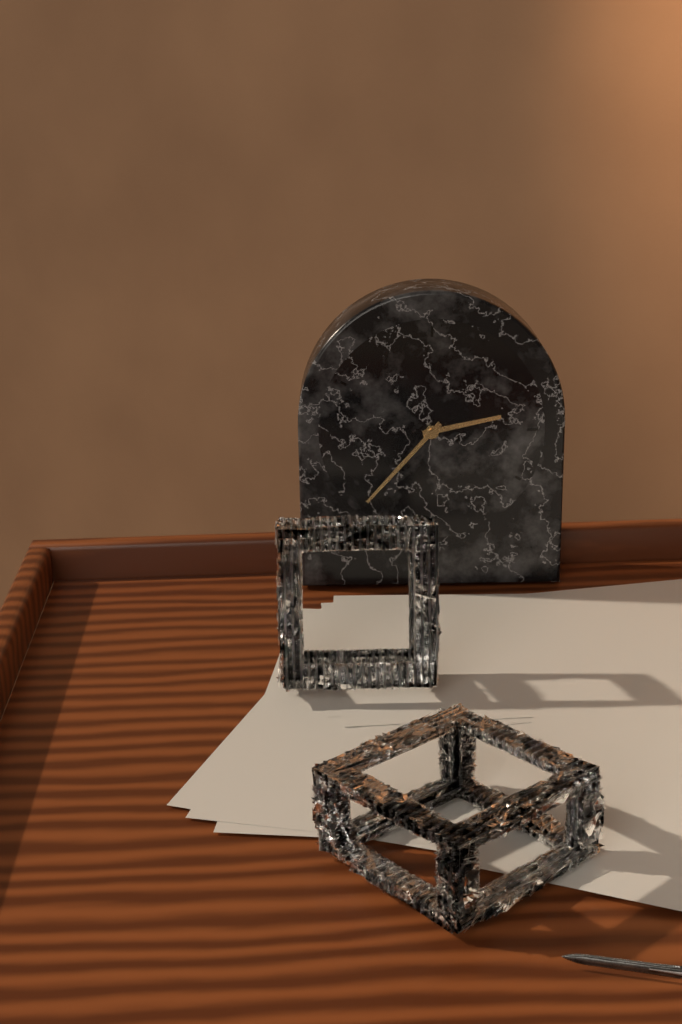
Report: {"hour": 2, "minute": 37}
